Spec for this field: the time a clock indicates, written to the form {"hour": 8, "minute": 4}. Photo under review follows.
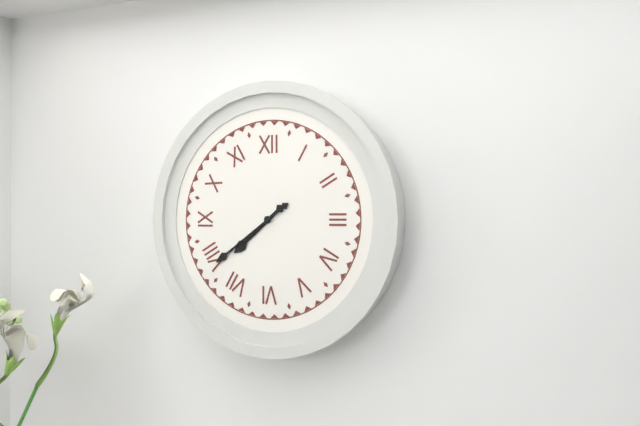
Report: {"hour": 7, "minute": 39}
